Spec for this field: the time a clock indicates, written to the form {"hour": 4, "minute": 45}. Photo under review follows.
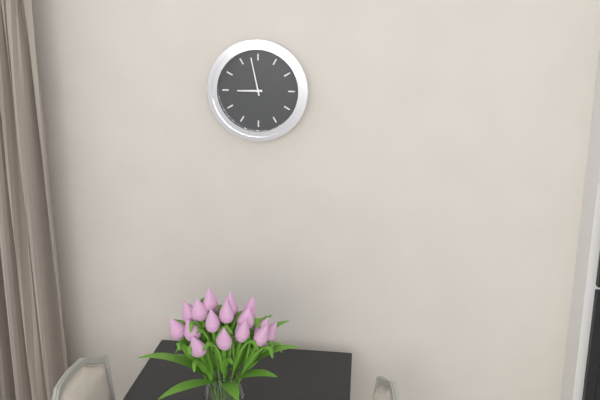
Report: {"hour": 8, "minute": 58}
